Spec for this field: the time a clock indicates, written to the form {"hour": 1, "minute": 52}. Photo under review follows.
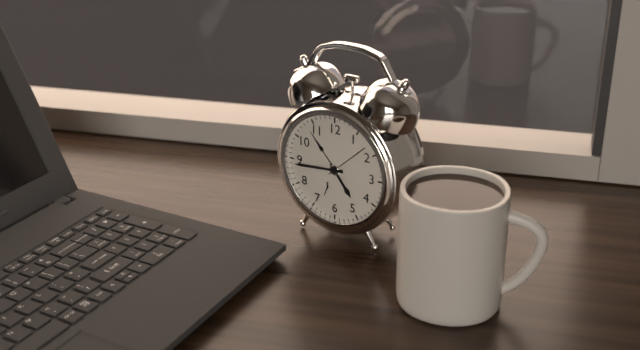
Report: {"hour": 4, "minute": 44}
